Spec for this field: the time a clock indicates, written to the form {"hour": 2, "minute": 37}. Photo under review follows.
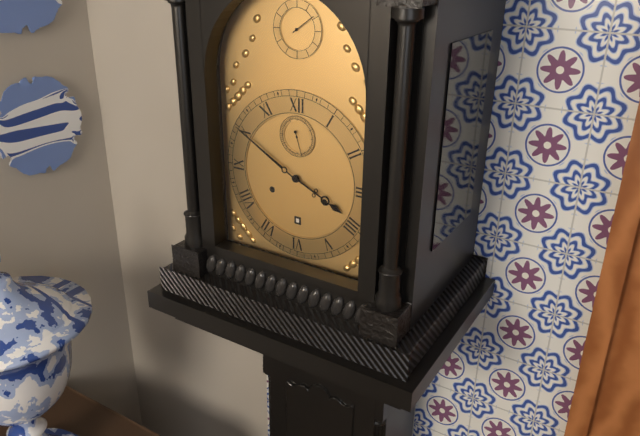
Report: {"hour": 3, "minute": 50}
